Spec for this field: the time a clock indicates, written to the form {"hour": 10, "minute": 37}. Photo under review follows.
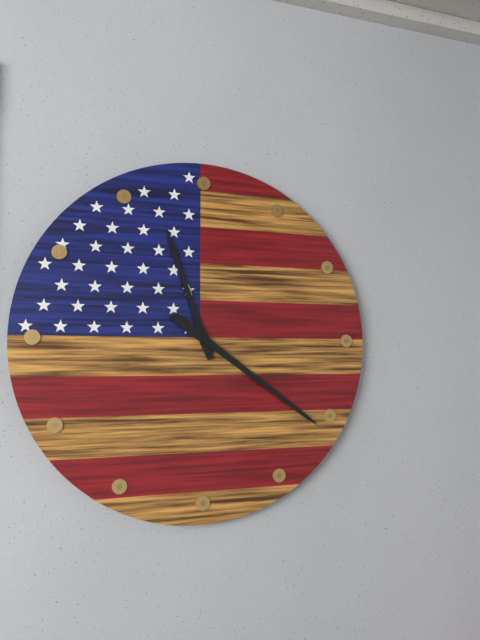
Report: {"hour": 11, "minute": 21}
